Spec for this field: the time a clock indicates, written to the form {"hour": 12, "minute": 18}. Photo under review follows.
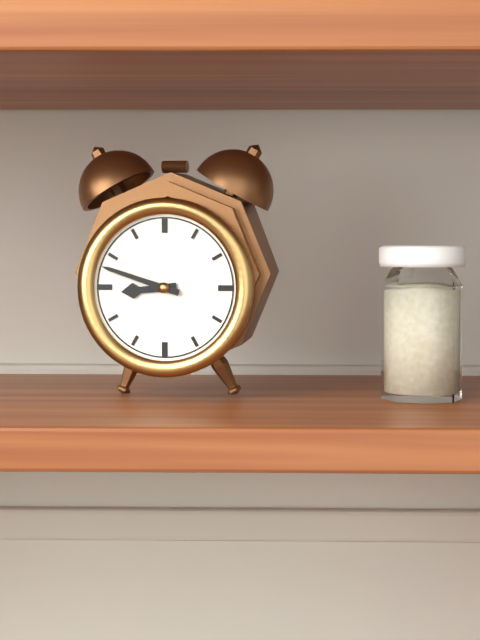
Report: {"hour": 8, "minute": 48}
